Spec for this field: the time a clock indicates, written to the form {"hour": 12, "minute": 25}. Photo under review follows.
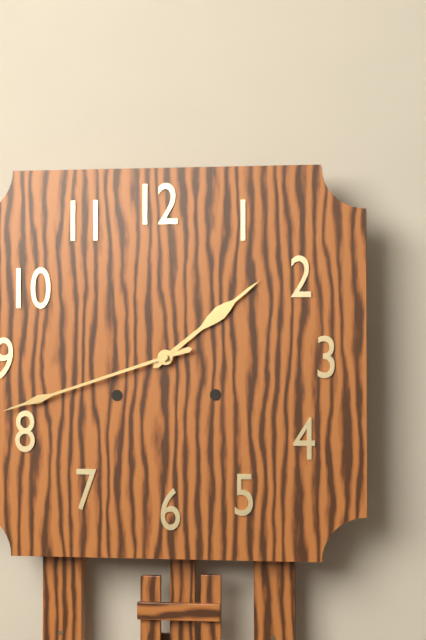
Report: {"hour": 1, "minute": 42}
